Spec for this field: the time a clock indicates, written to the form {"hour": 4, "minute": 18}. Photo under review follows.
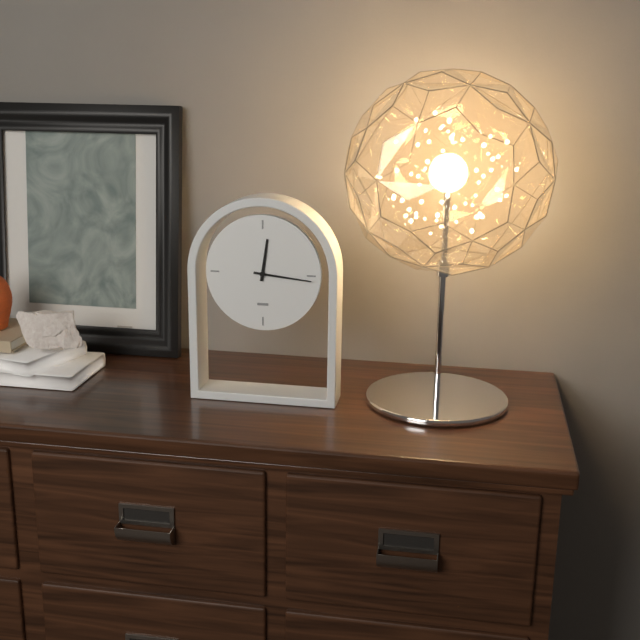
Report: {"hour": 12, "minute": 16}
